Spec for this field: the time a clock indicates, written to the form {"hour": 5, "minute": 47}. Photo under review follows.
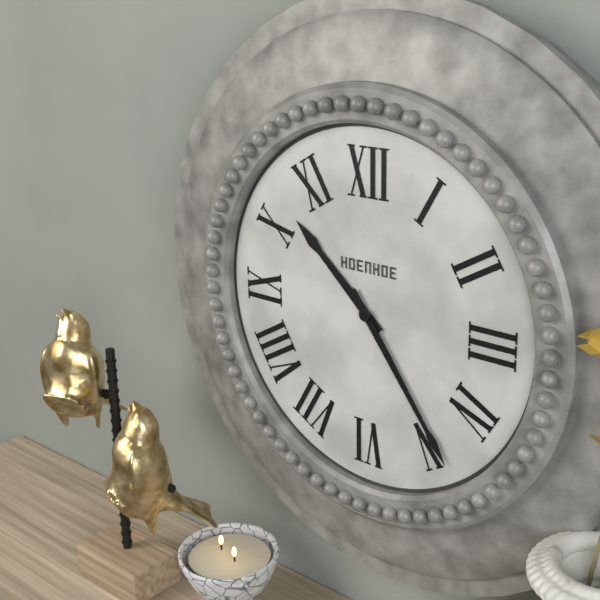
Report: {"hour": 10, "minute": 24}
